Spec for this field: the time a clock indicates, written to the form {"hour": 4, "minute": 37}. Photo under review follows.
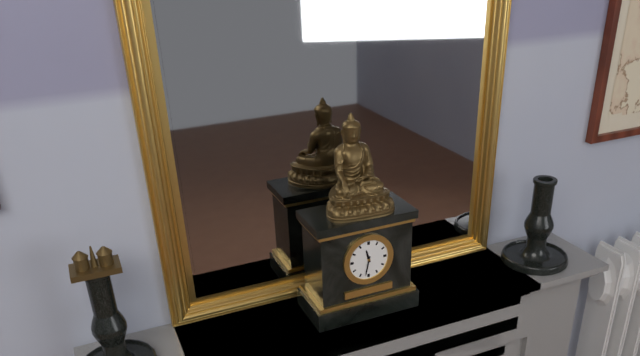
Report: {"hour": 11, "minute": 32}
